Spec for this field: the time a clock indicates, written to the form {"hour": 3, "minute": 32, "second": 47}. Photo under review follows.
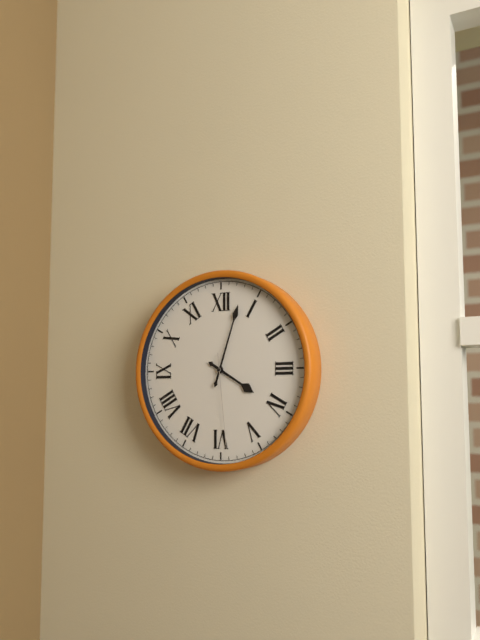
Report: {"hour": 4, "minute": 3, "second": 29}
